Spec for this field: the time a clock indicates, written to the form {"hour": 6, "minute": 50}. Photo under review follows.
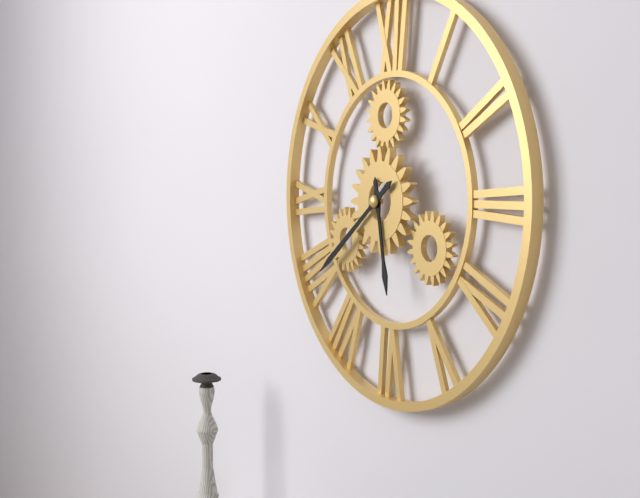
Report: {"hour": 5, "minute": 39}
